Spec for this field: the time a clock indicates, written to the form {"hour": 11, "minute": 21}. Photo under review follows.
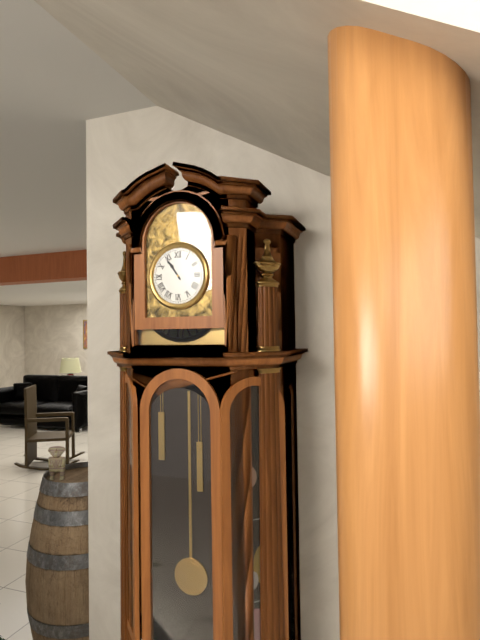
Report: {"hour": 10, "minute": 54}
